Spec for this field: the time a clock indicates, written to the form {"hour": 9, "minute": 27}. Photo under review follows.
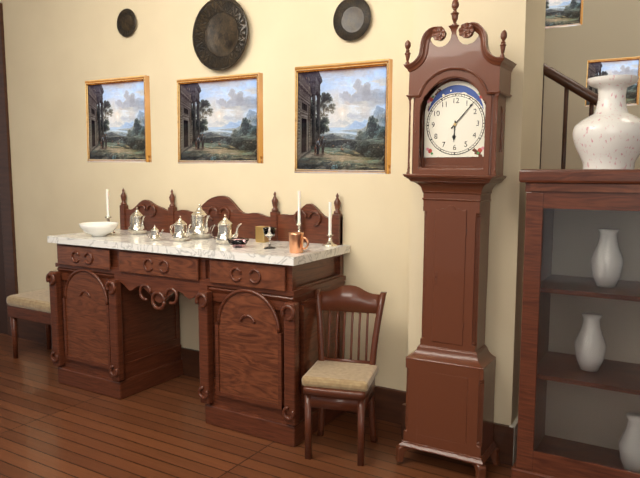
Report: {"hour": 6, "minute": 7}
